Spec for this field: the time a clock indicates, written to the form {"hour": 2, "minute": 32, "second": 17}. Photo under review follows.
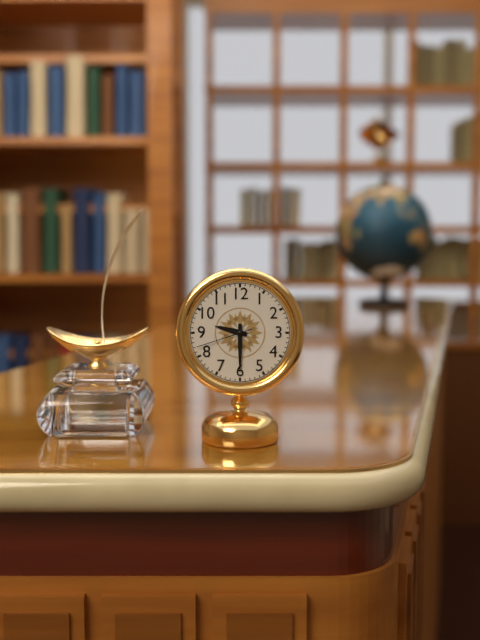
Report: {"hour": 9, "minute": 30, "second": 42}
